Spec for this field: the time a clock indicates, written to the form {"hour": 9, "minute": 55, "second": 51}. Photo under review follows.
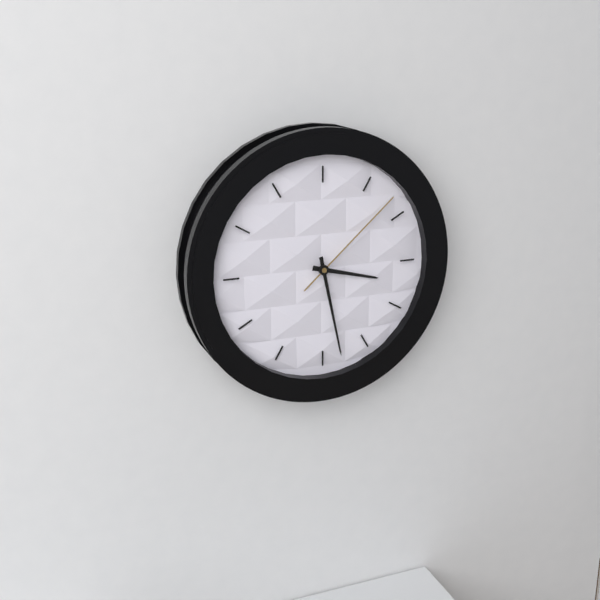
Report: {"hour": 3, "minute": 28, "second": 8}
